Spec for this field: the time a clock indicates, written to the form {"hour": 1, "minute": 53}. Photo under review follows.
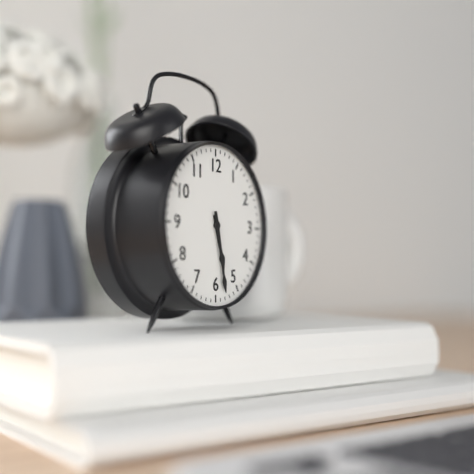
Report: {"hour": 5, "minute": 28}
